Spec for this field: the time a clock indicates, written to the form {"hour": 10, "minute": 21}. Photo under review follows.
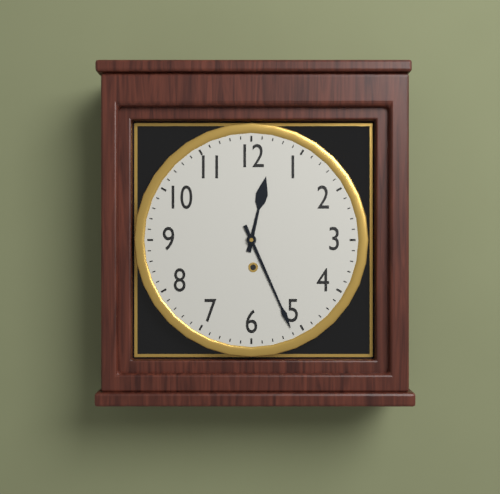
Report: {"hour": 12, "minute": 26}
